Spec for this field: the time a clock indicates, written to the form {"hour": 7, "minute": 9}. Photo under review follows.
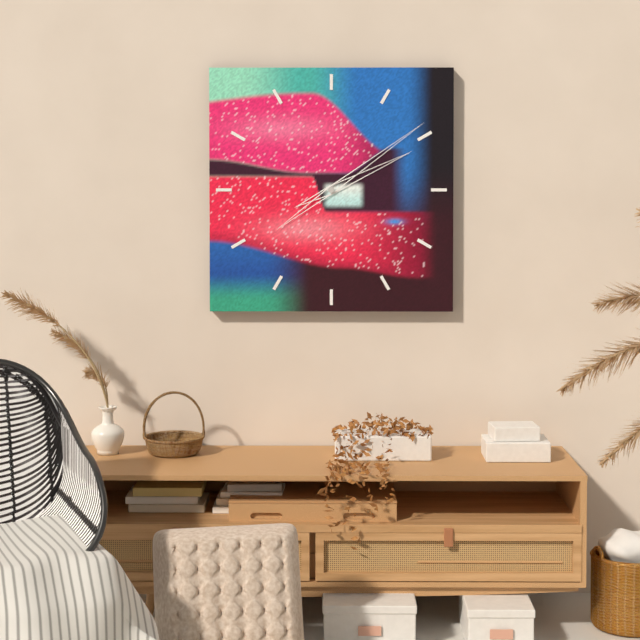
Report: {"hour": 2, "minute": 9}
